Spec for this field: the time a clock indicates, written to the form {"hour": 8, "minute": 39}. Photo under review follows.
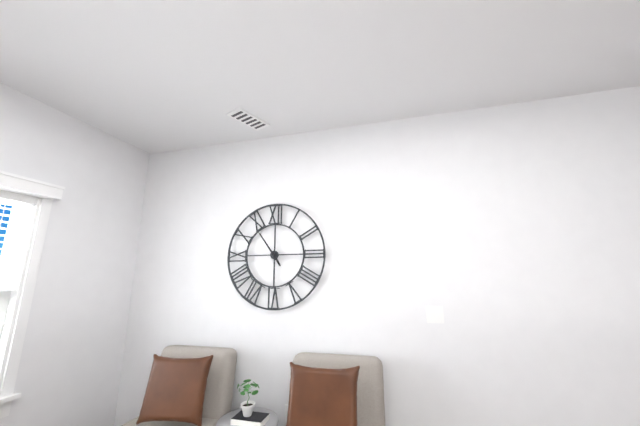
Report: {"hour": 4, "minute": 54}
